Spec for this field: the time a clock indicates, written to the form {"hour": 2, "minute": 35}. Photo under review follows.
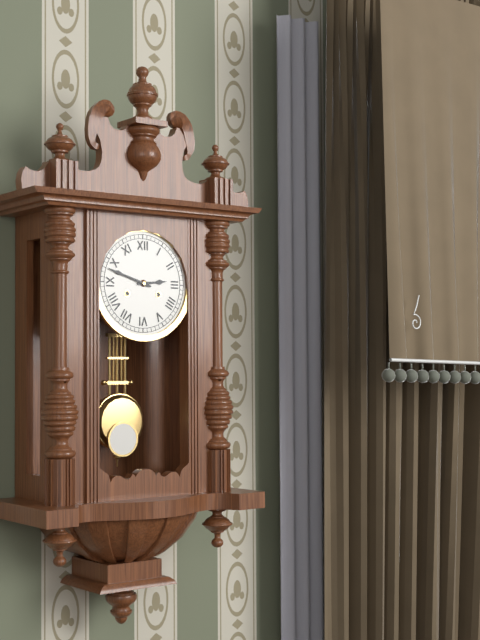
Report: {"hour": 2, "minute": 48}
